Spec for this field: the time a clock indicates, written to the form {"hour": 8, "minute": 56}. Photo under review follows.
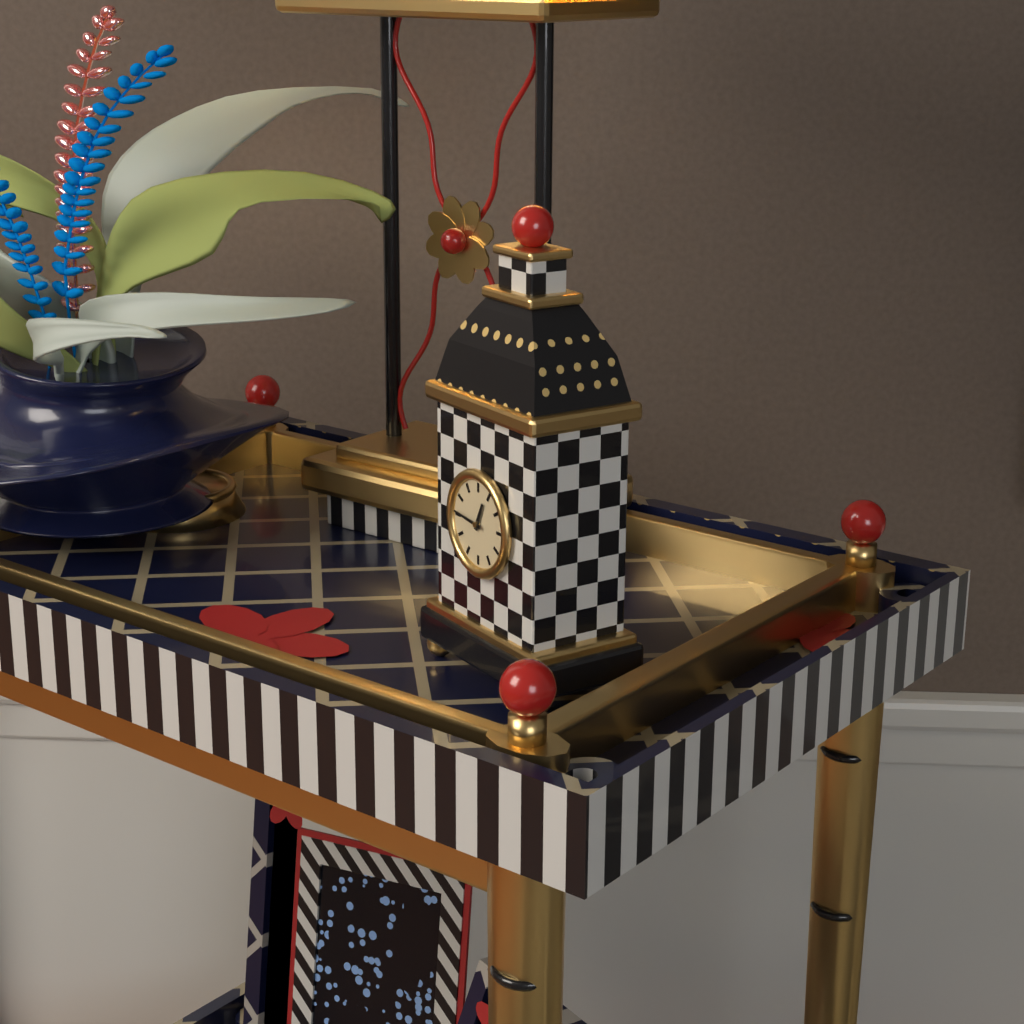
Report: {"hour": 12, "minute": 46}
